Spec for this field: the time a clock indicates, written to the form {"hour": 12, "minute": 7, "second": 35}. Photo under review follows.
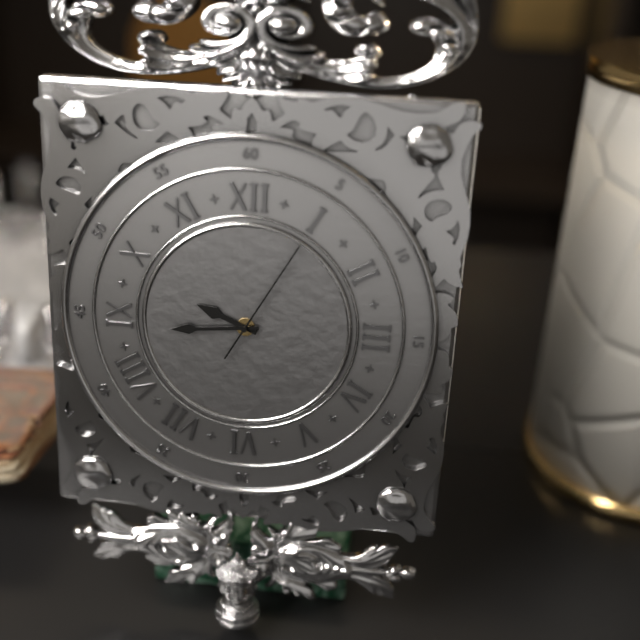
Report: {"hour": 9, "minute": 44, "second": 5}
